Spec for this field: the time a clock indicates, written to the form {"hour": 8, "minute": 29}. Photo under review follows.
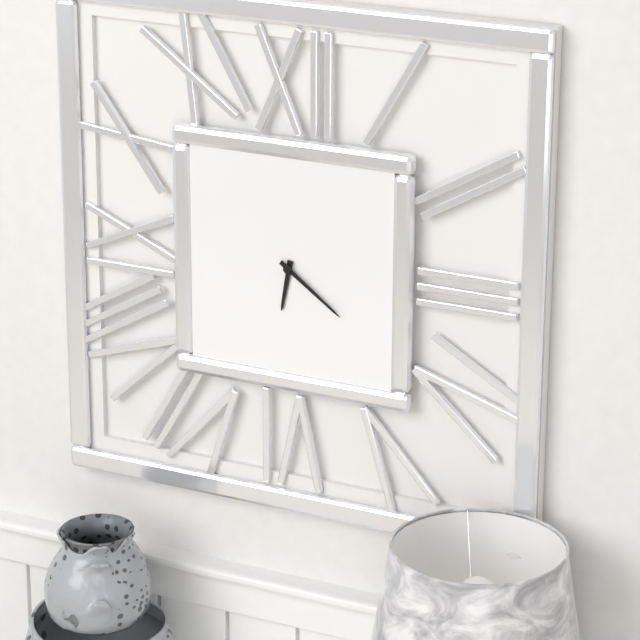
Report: {"hour": 6, "minute": 21}
